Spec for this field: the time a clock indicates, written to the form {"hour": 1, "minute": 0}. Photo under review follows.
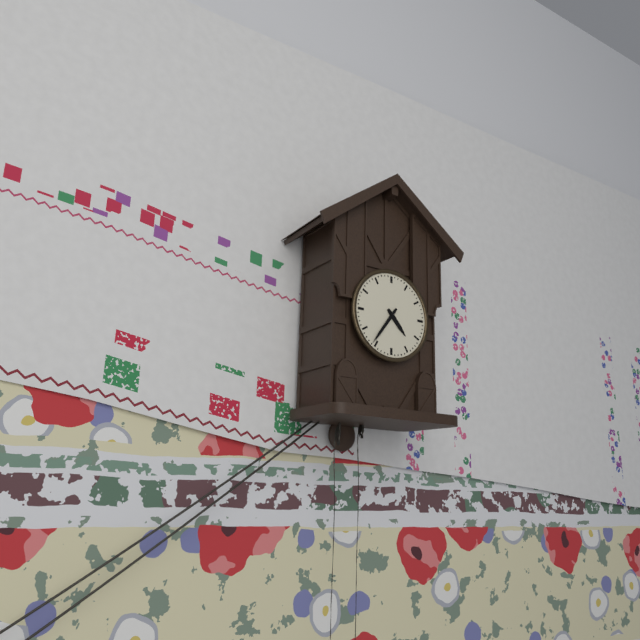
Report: {"hour": 4, "minute": 36}
